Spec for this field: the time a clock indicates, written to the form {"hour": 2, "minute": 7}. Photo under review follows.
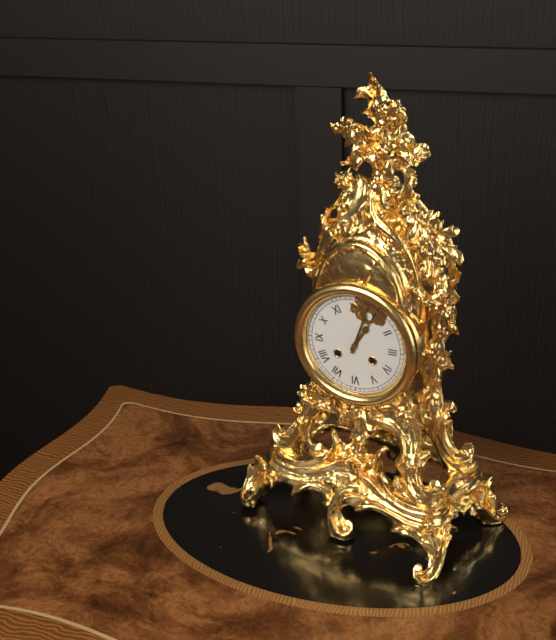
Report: {"hour": 1, "minute": 3}
